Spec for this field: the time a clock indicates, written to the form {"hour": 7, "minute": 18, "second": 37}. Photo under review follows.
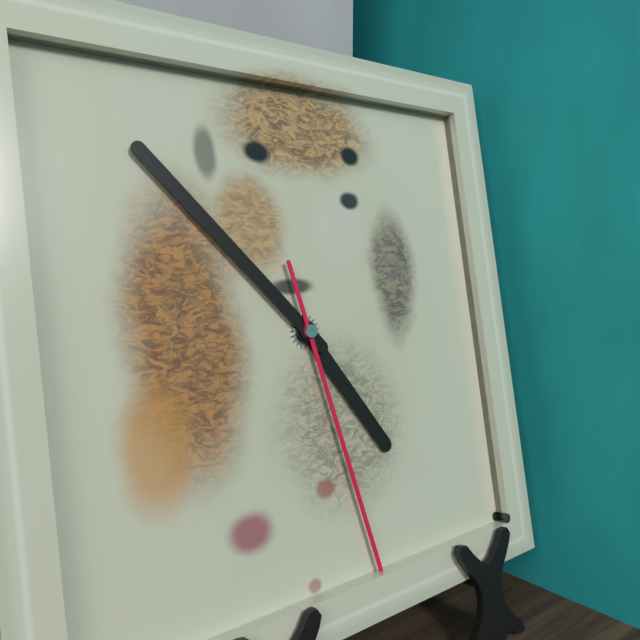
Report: {"hour": 4, "minute": 53, "second": 28}
